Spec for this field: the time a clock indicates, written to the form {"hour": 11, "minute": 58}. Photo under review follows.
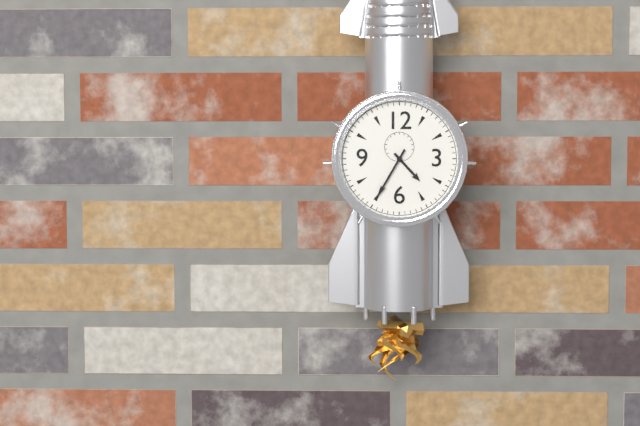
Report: {"hour": 4, "minute": 35}
